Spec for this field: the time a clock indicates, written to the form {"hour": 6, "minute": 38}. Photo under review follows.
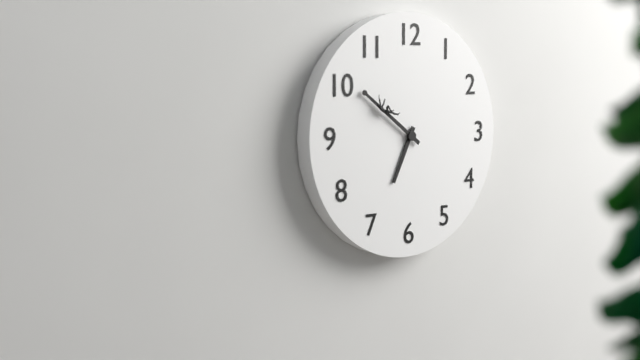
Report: {"hour": 6, "minute": 51}
